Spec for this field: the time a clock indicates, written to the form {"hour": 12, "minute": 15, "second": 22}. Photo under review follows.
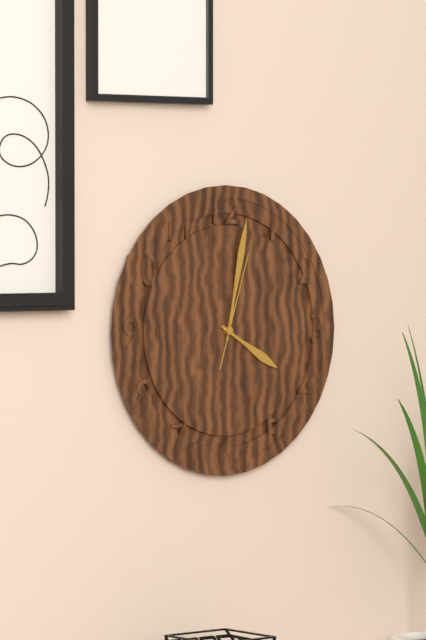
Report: {"hour": 4, "minute": 2, "second": 3}
